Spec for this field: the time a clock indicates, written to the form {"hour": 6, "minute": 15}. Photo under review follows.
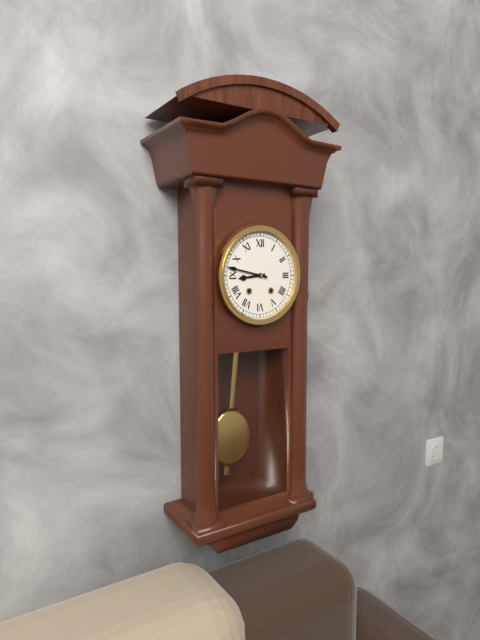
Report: {"hour": 8, "minute": 47}
